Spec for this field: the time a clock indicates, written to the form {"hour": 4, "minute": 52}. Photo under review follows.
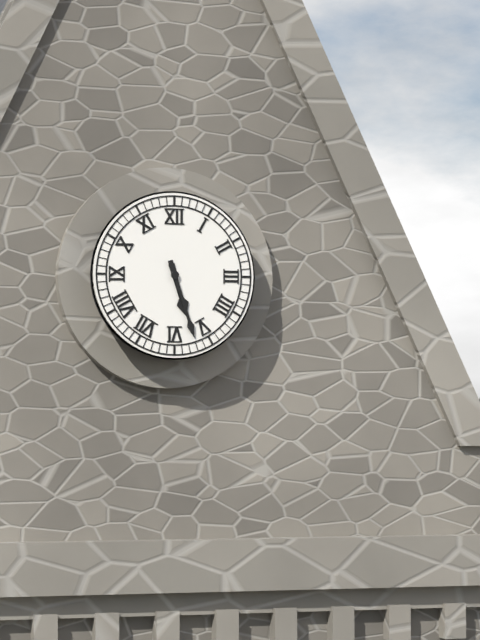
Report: {"hour": 5, "minute": 27}
